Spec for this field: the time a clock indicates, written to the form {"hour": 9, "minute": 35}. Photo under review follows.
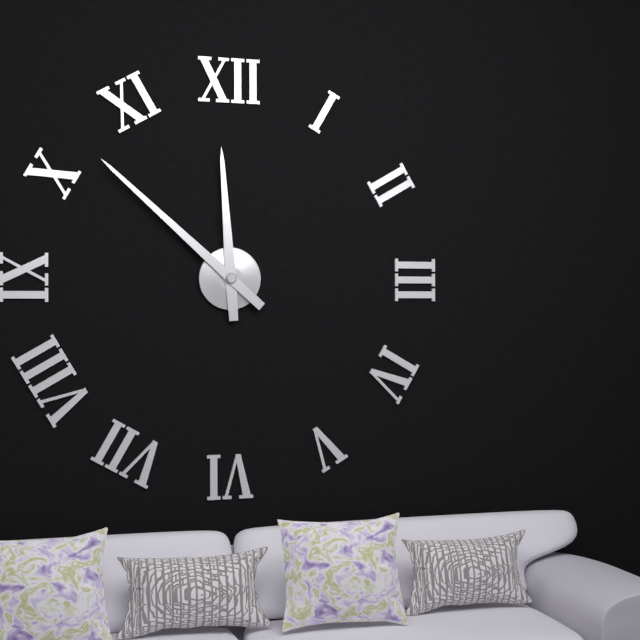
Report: {"hour": 11, "minute": 52}
